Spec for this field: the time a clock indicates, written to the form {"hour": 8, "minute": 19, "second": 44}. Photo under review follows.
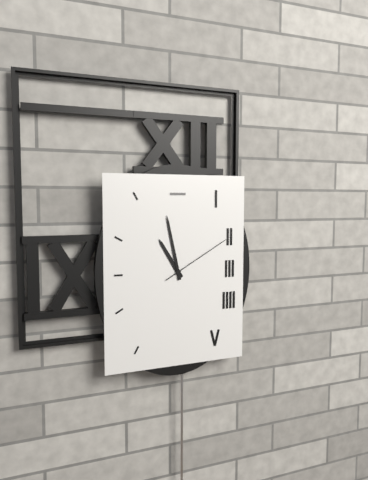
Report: {"hour": 10, "minute": 58, "second": 10}
